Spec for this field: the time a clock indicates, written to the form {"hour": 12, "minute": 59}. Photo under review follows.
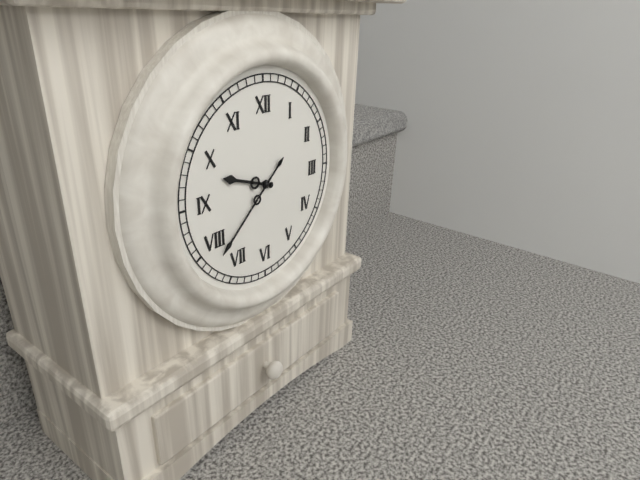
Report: {"hour": 9, "minute": 38}
